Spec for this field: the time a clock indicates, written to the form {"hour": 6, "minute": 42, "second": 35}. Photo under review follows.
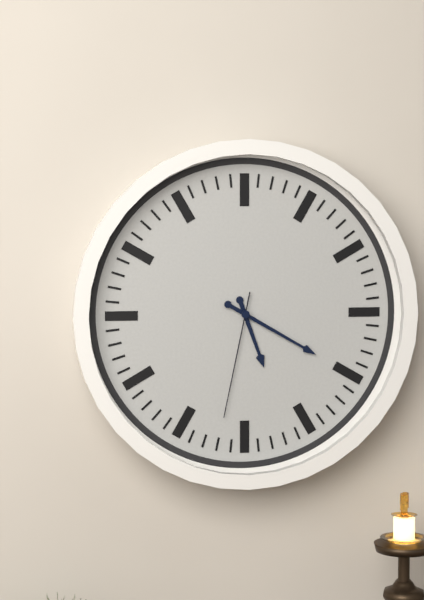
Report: {"hour": 5, "minute": 20, "second": 32}
